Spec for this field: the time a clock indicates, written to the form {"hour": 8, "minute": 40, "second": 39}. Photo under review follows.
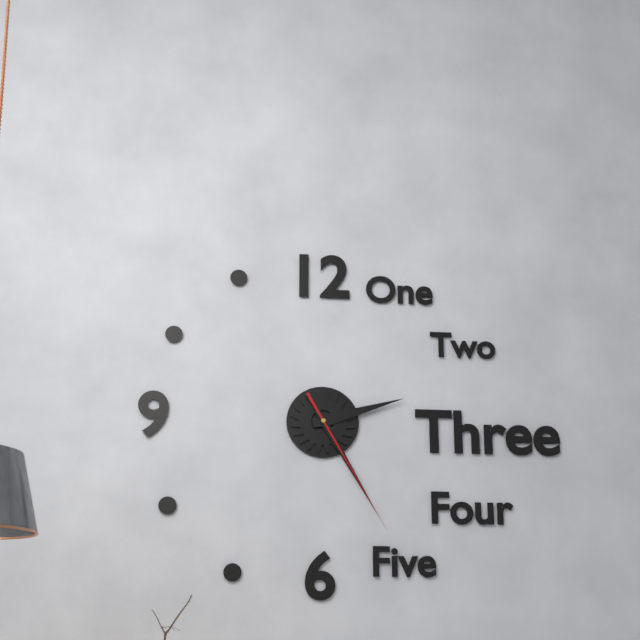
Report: {"hour": 2, "minute": 25, "second": 25}
